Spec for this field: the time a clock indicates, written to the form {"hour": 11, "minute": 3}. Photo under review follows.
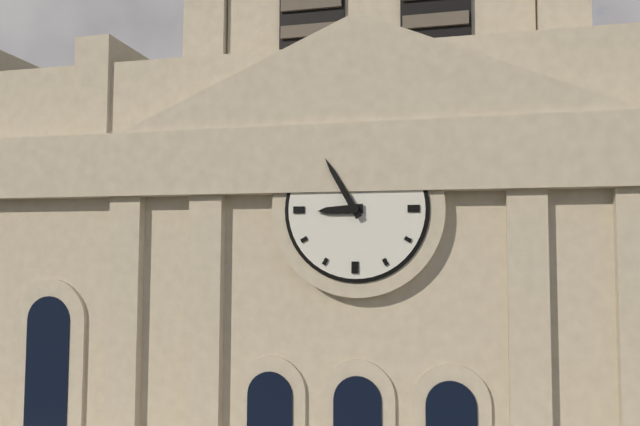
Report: {"hour": 8, "minute": 55}
